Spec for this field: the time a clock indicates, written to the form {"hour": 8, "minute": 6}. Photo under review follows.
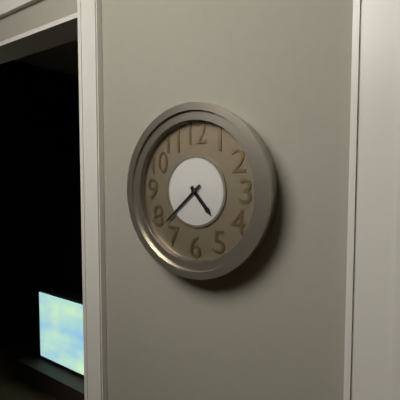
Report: {"hour": 4, "minute": 38}
